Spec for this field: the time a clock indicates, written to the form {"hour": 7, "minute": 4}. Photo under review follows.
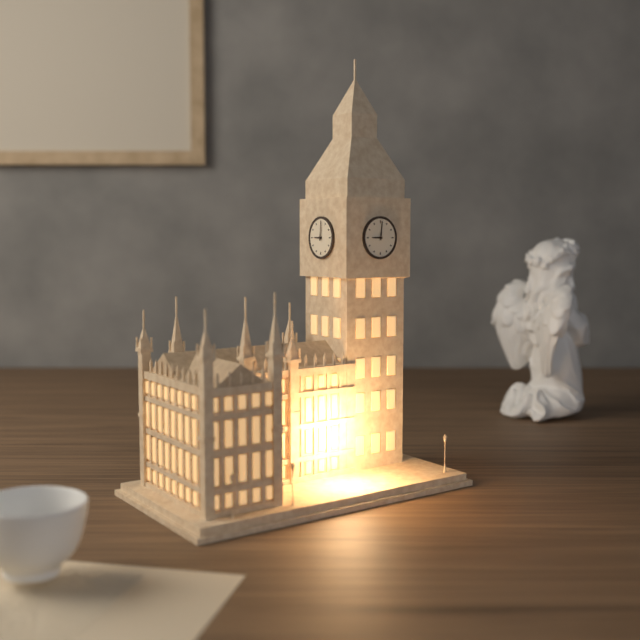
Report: {"hour": 9, "minute": 1}
